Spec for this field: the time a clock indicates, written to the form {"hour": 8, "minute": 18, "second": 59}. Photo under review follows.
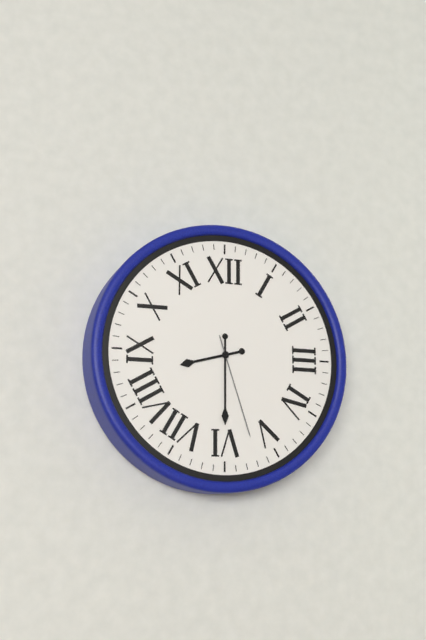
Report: {"hour": 8, "minute": 30, "second": 27}
